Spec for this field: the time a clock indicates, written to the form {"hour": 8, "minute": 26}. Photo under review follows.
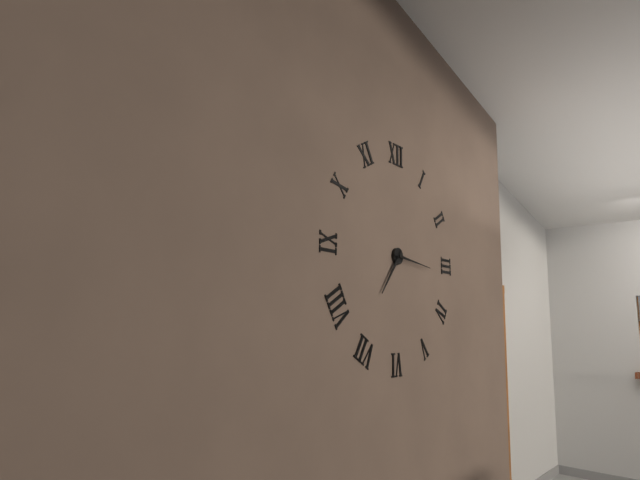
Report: {"hour": 7, "minute": 16}
